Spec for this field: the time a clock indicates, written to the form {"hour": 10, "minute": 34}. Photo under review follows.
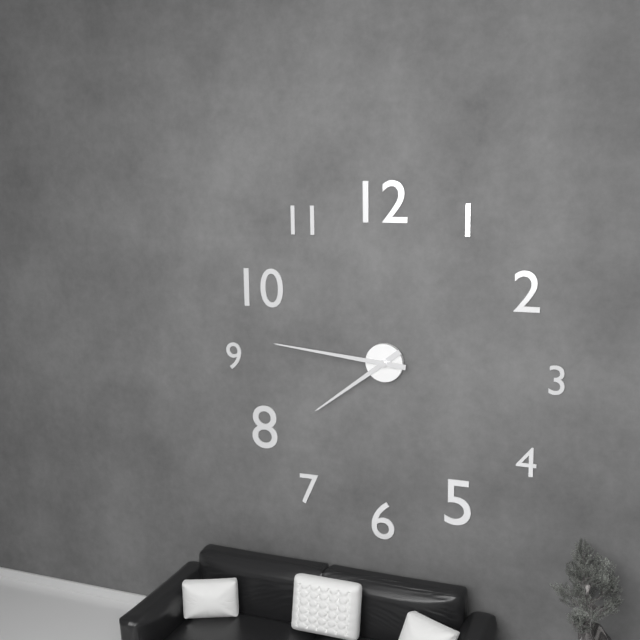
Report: {"hour": 7, "minute": 46}
